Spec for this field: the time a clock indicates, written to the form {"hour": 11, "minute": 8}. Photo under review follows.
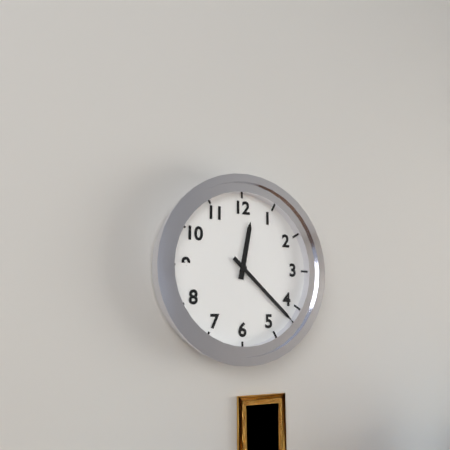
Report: {"hour": 12, "minute": 22}
